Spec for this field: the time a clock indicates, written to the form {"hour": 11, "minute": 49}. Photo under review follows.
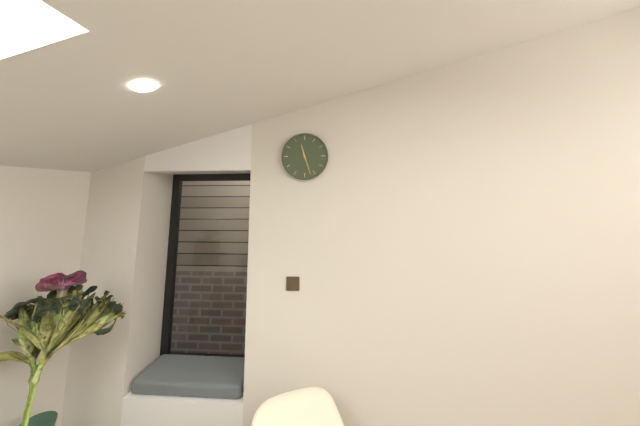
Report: {"hour": 11, "minute": 27}
